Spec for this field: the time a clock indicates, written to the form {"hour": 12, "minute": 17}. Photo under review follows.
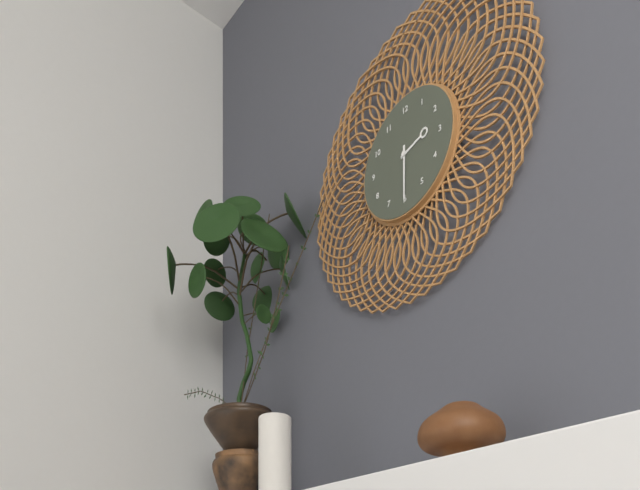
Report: {"hour": 2, "minute": 30}
